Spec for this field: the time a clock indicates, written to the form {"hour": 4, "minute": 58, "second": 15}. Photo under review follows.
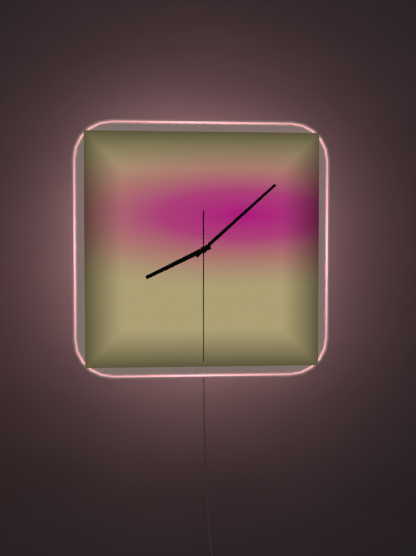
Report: {"hour": 8, "minute": 8, "second": 30}
